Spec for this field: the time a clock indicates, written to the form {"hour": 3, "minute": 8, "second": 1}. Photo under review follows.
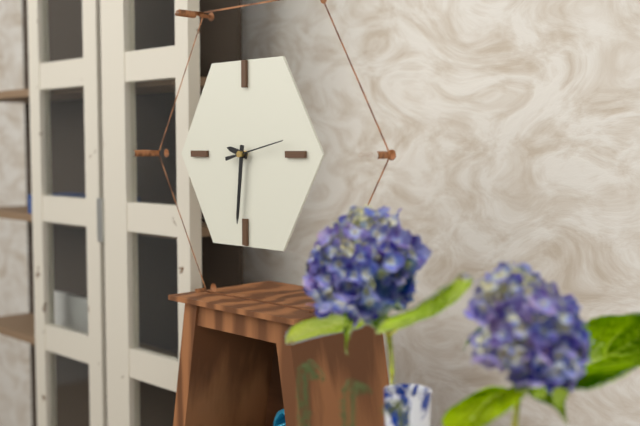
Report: {"hour": 9, "minute": 31, "second": 13}
